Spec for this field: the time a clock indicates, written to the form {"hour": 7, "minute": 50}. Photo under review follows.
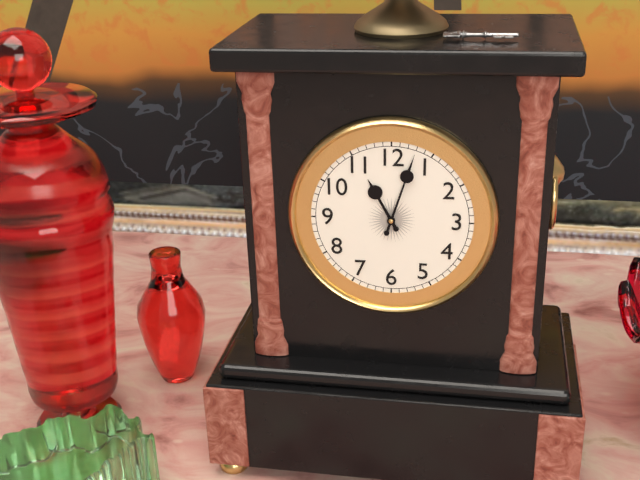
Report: {"hour": 11, "minute": 3}
